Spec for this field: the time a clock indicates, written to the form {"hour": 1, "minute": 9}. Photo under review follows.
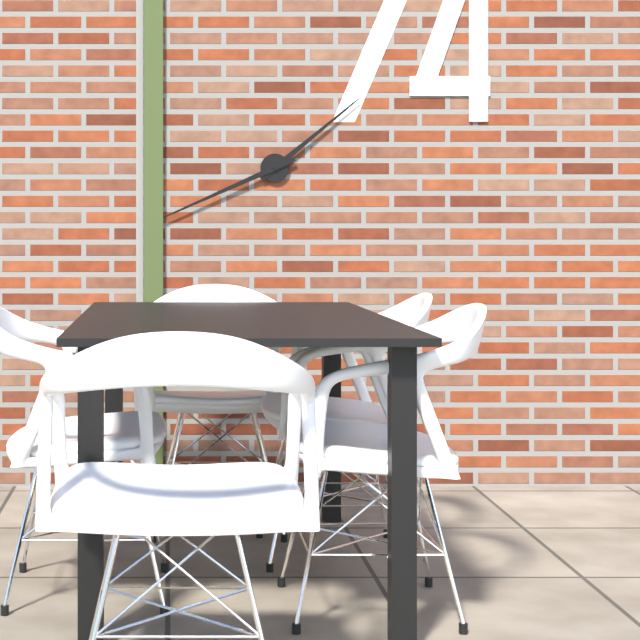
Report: {"hour": 1, "minute": 41}
